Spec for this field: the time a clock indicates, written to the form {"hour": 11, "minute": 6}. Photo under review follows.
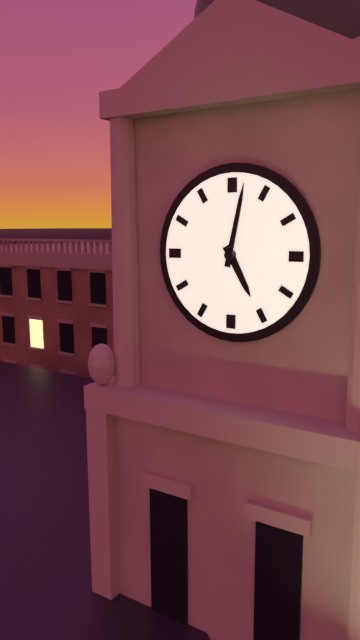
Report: {"hour": 5, "minute": 2}
